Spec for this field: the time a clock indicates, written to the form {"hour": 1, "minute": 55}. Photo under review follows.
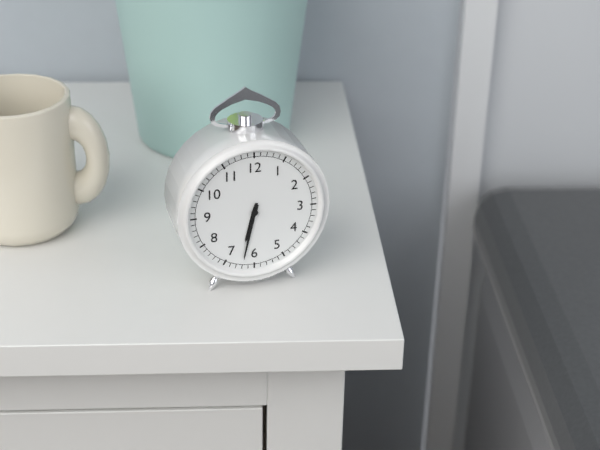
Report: {"hour": 6, "minute": 32}
